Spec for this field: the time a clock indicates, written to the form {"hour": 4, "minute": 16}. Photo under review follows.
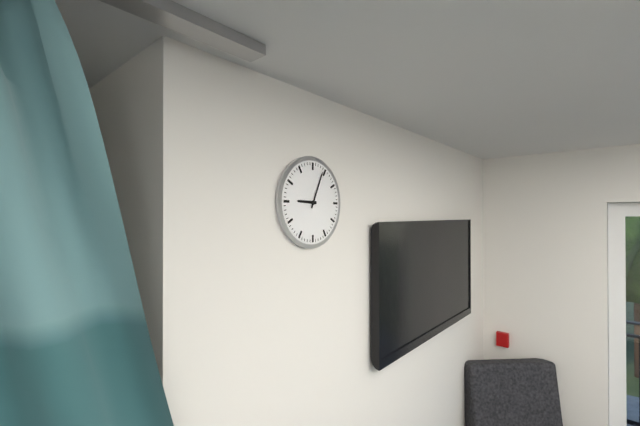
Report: {"hour": 9, "minute": 4}
